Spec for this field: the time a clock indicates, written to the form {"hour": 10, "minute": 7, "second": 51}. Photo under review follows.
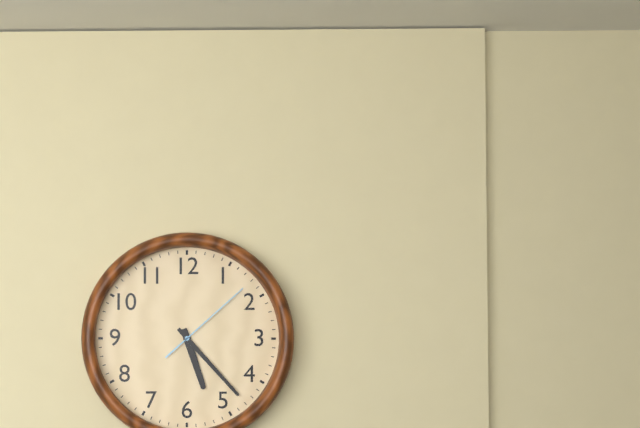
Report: {"hour": 5, "minute": 23, "second": 8}
